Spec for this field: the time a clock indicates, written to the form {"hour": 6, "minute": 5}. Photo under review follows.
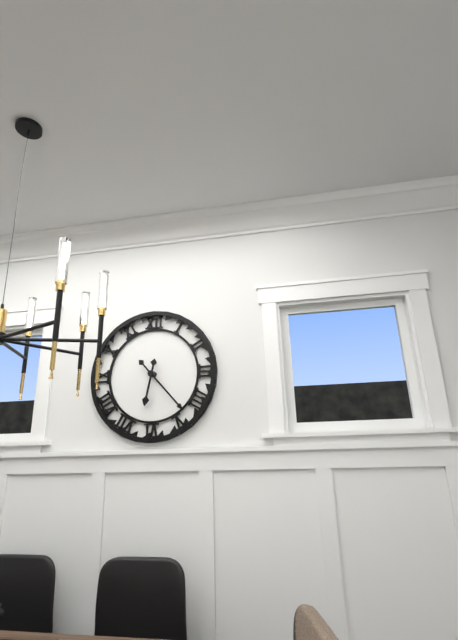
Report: {"hour": 6, "minute": 23}
